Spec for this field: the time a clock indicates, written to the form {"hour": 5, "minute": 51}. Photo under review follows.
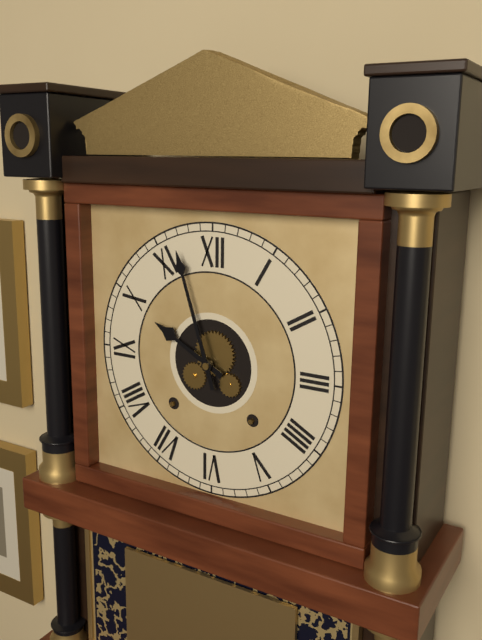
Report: {"hour": 9, "minute": 57}
